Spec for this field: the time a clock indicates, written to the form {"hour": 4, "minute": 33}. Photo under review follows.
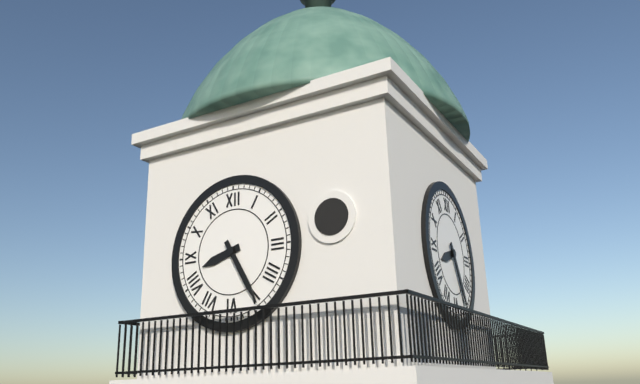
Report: {"hour": 8, "minute": 25}
